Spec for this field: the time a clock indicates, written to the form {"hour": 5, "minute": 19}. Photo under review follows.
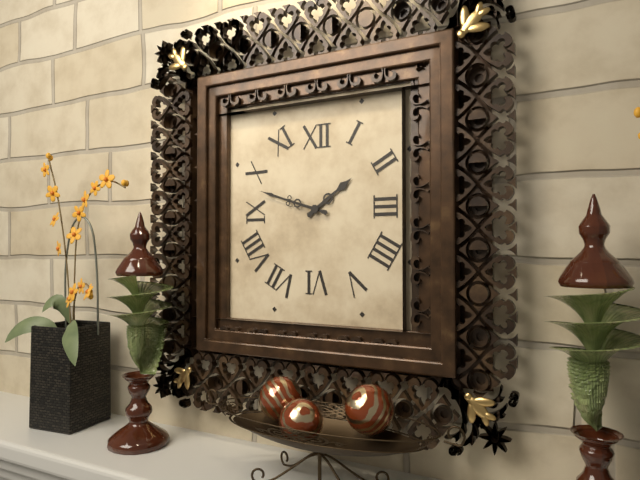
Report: {"hour": 1, "minute": 48}
